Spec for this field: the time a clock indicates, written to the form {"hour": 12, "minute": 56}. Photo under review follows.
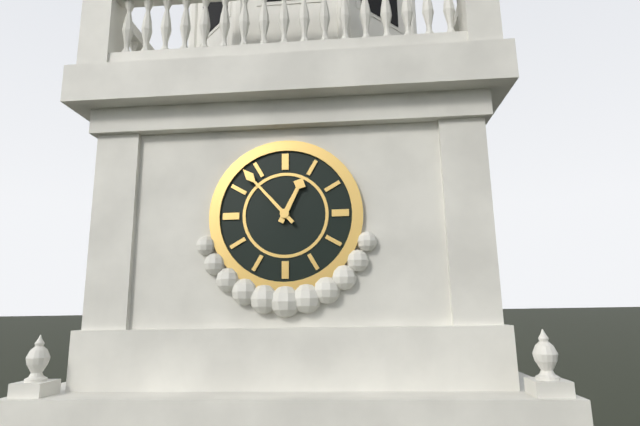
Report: {"hour": 12, "minute": 53}
